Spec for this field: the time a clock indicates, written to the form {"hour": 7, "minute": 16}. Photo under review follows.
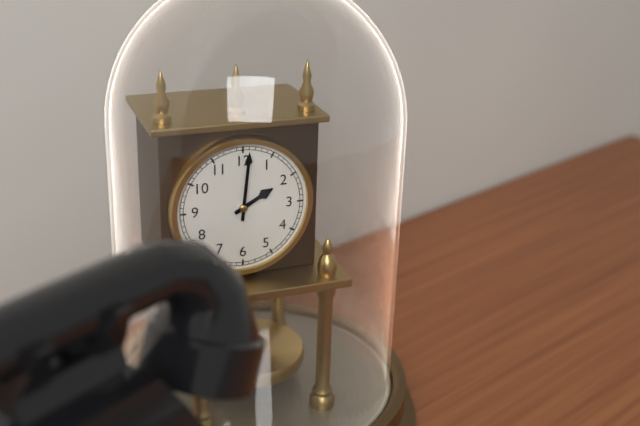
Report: {"hour": 2, "minute": 1}
